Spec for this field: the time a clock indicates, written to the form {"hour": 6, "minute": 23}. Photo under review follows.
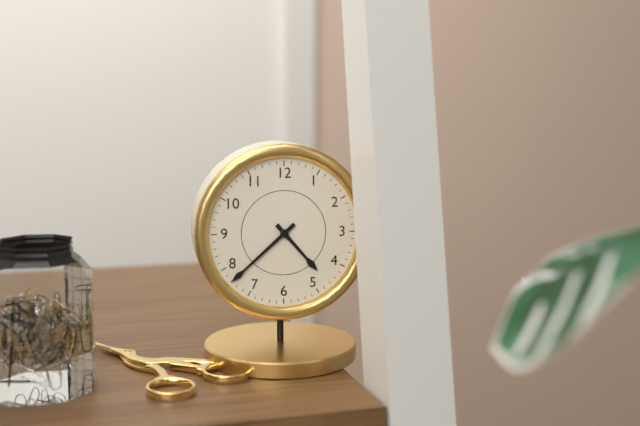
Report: {"hour": 4, "minute": 38}
